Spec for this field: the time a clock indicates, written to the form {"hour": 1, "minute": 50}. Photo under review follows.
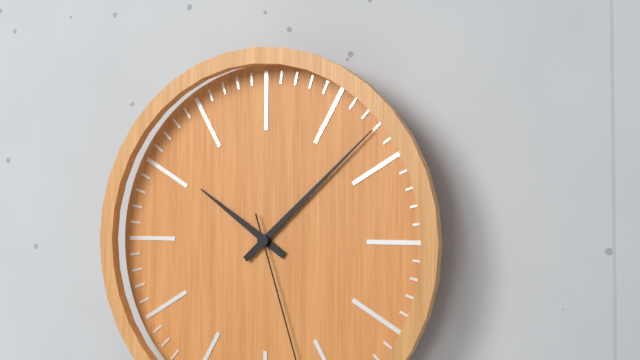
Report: {"hour": 10, "minute": 8}
